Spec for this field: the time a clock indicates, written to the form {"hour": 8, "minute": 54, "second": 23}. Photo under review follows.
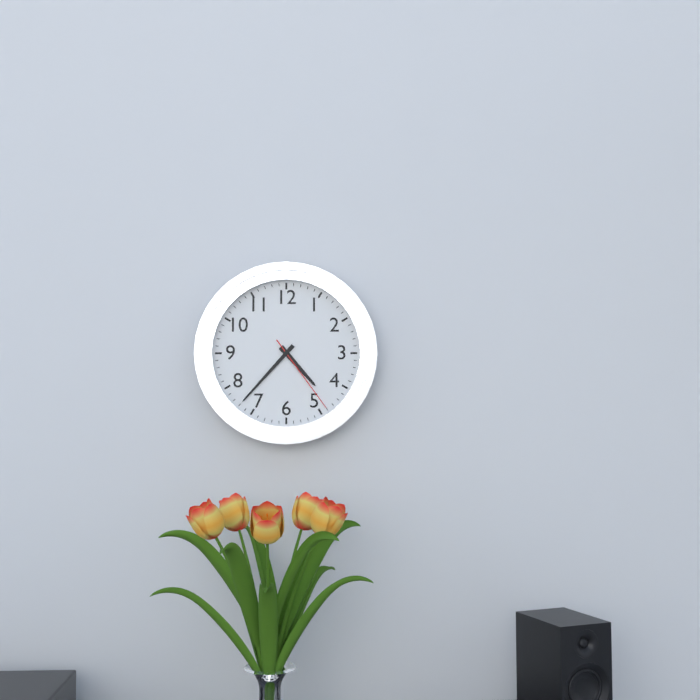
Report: {"hour": 4, "minute": 37, "second": 24}
